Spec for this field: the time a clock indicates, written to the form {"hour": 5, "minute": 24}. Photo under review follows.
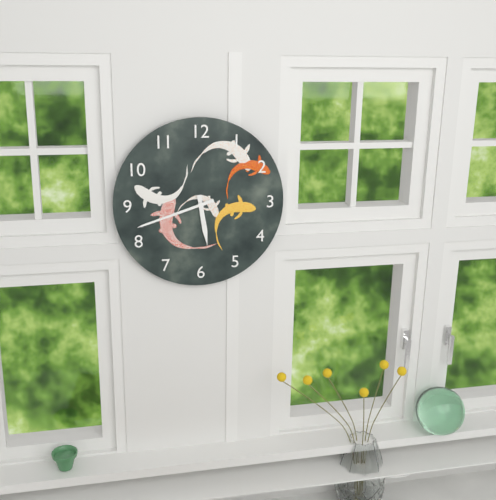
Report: {"hour": 5, "minute": 42}
